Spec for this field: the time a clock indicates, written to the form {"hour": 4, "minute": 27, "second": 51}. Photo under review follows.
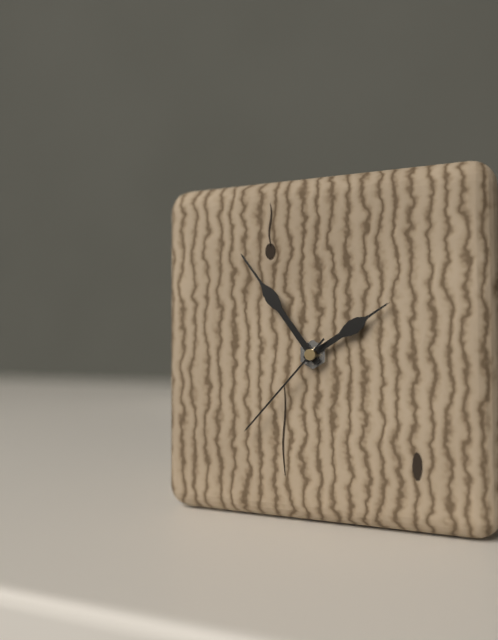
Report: {"hour": 1, "minute": 54, "second": 37}
